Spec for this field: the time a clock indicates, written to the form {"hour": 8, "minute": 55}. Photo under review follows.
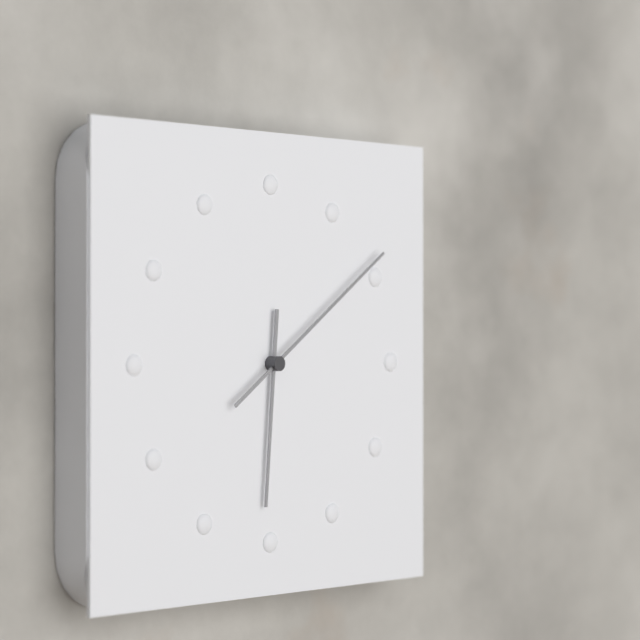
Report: {"hour": 6, "minute": 9}
